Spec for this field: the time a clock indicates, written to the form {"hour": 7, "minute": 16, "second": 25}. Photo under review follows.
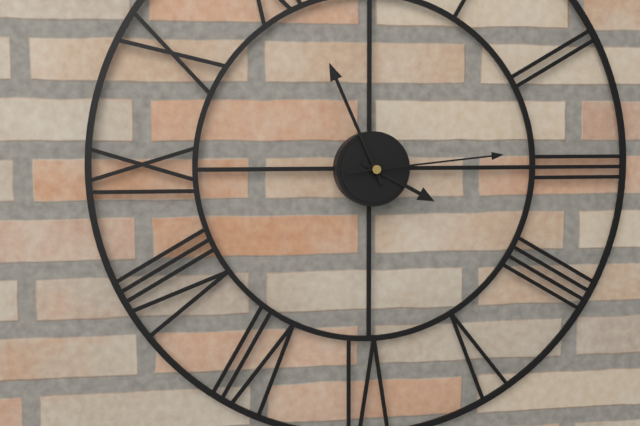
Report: {"hour": 3, "minute": 56, "second": 14}
